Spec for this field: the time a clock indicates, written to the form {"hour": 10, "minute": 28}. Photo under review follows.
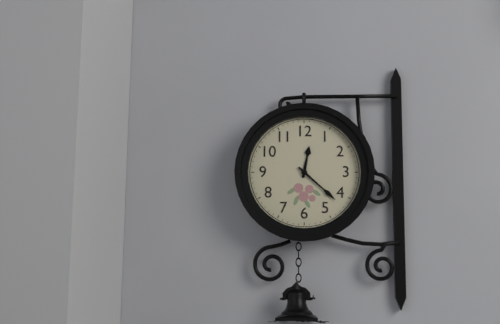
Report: {"hour": 12, "minute": 22}
